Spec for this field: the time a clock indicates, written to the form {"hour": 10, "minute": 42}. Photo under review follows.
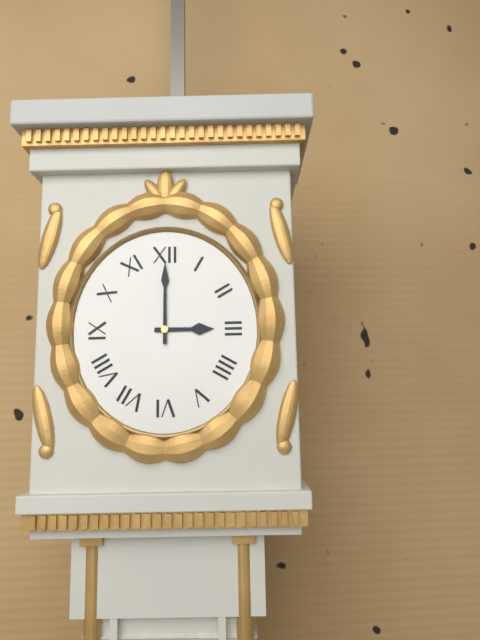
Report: {"hour": 3, "minute": 0}
